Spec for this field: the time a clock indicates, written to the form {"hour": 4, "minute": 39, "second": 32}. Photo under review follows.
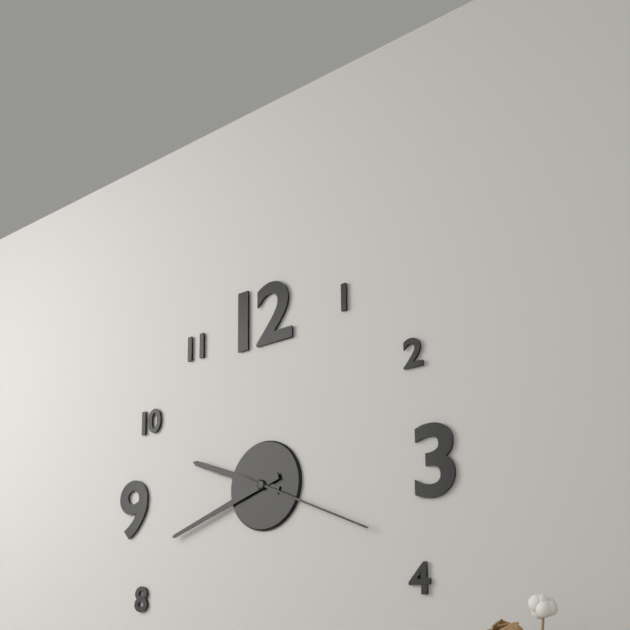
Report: {"hour": 9, "minute": 42, "second": 19}
